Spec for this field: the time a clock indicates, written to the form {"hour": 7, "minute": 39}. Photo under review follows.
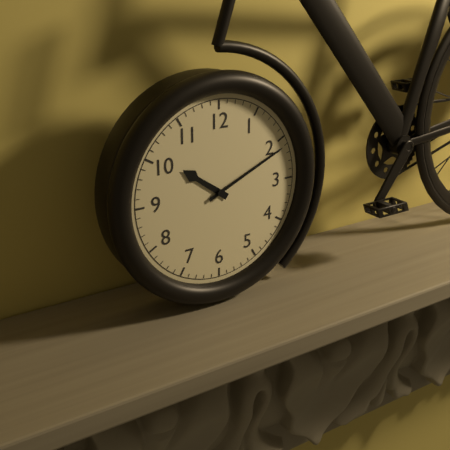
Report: {"hour": 10, "minute": 11}
